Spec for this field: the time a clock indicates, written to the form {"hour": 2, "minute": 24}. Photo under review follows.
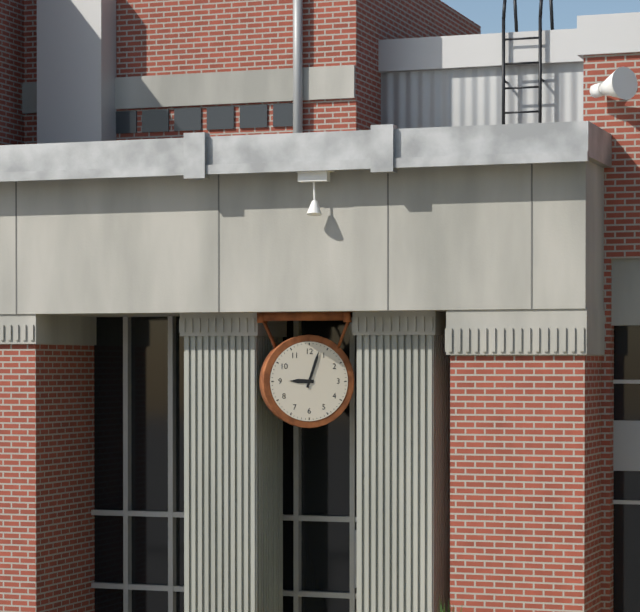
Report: {"hour": 9, "minute": 3}
